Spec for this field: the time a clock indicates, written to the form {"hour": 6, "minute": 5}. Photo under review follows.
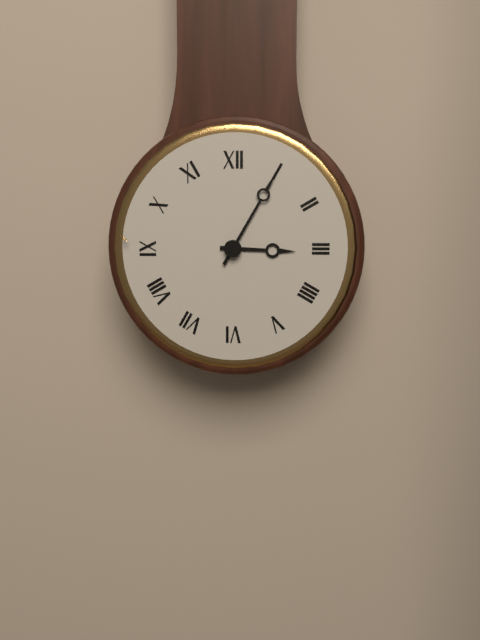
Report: {"hour": 3, "minute": 5}
